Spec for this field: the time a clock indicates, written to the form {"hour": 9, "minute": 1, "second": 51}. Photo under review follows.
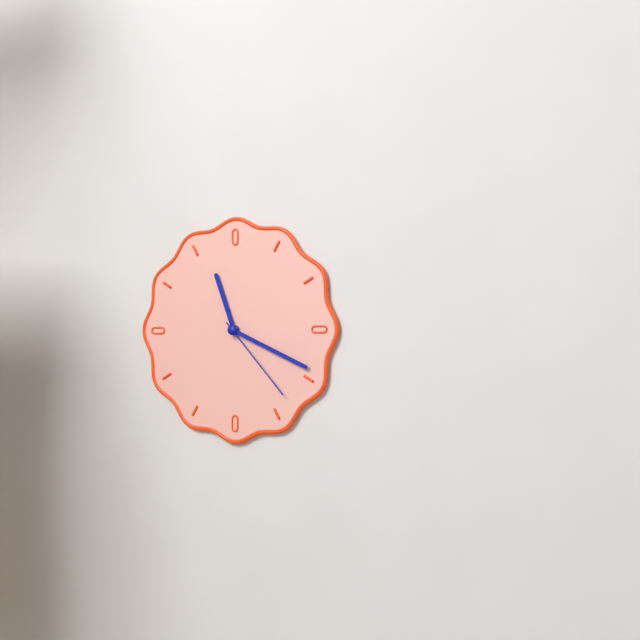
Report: {"hour": 11, "minute": 19, "second": 23}
